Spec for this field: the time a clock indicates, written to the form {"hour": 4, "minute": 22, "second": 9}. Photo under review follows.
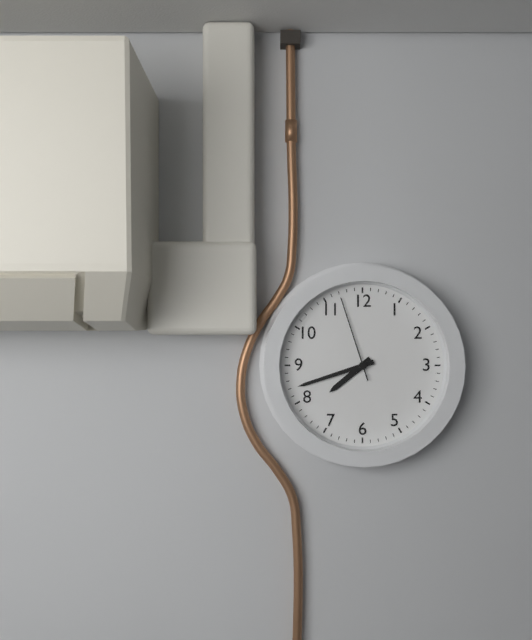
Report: {"hour": 7, "minute": 42, "second": 57}
